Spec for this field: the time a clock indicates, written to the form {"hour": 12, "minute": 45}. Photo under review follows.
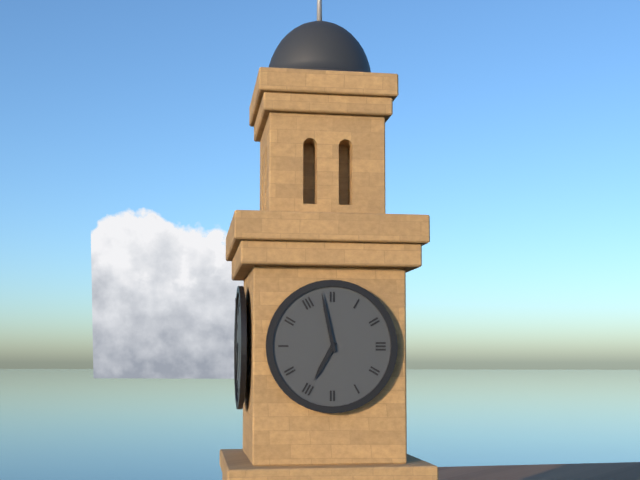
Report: {"hour": 6, "minute": 58}
